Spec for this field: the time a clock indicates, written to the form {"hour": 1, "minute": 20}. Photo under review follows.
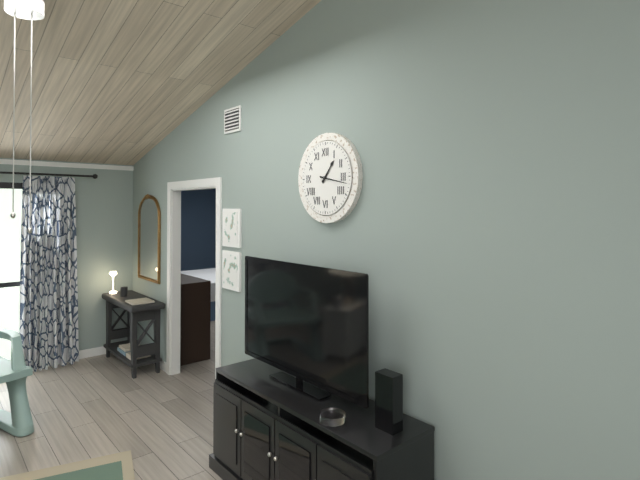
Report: {"hour": 1, "minute": 17}
